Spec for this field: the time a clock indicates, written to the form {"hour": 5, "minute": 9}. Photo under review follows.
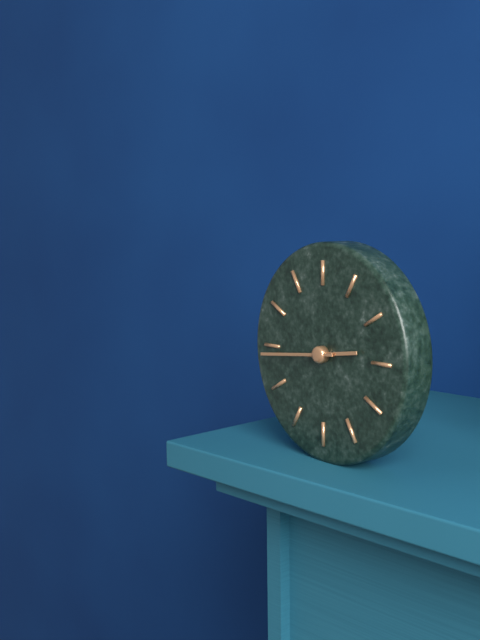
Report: {"hour": 2, "minute": 44}
